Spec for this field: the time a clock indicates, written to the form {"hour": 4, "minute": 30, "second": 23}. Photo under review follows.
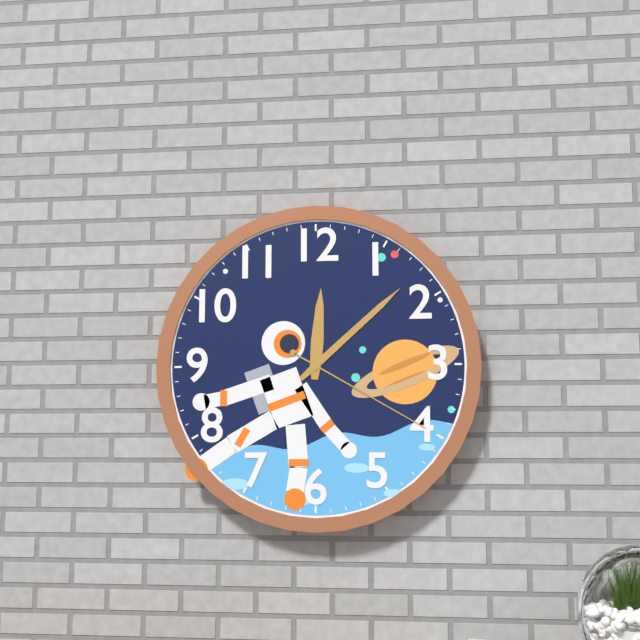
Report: {"hour": 12, "minute": 8, "second": 20}
